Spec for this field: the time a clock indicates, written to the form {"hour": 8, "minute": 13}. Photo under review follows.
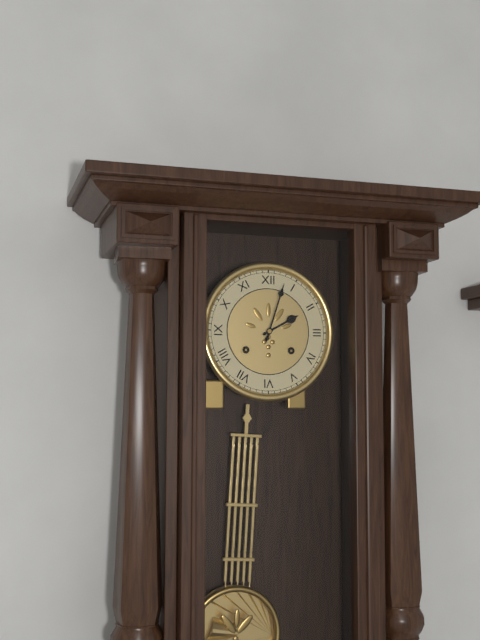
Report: {"hour": 2, "minute": 3}
